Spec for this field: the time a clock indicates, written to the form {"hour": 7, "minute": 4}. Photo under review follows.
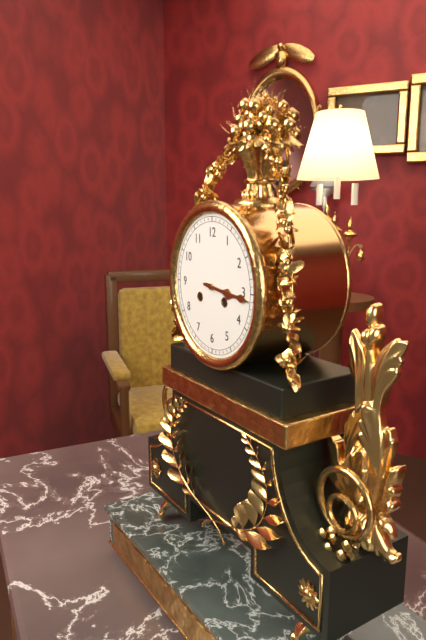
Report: {"hour": 3, "minute": 16}
